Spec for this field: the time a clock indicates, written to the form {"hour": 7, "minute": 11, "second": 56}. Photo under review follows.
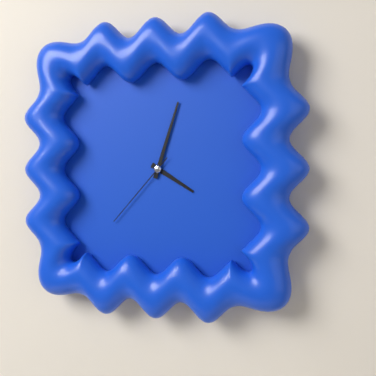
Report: {"hour": 4, "minute": 3, "second": 37}
